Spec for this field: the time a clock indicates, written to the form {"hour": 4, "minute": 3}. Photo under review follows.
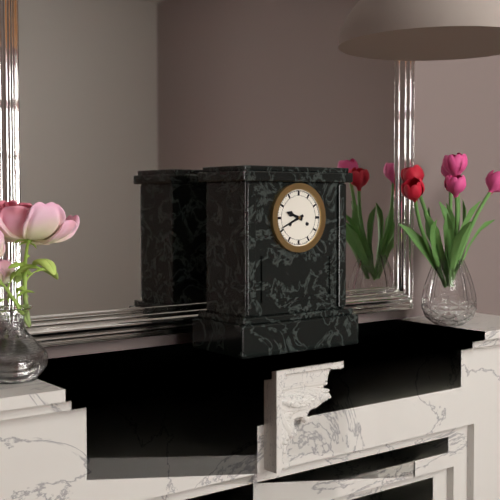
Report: {"hour": 9, "minute": 41}
